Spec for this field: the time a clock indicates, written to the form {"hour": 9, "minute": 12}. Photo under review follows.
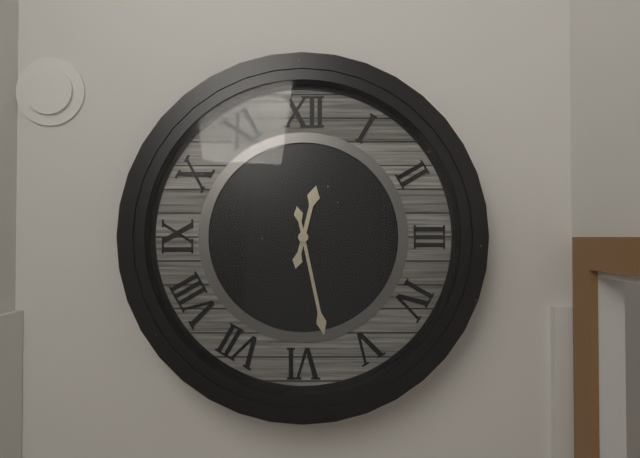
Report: {"hour": 12, "minute": 28}
